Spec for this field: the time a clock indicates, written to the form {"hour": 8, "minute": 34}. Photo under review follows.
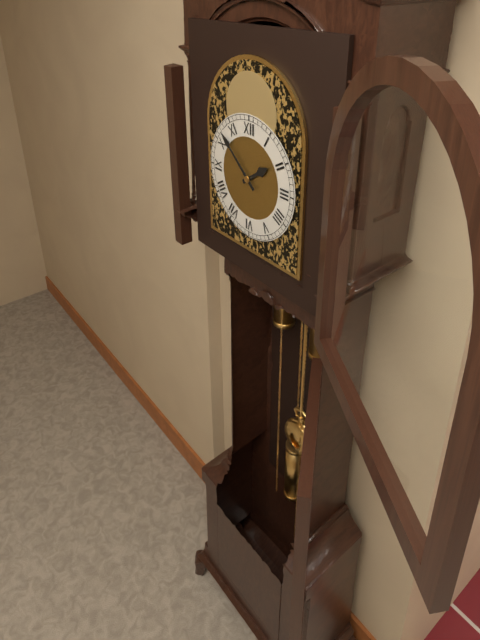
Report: {"hour": 1, "minute": 52}
